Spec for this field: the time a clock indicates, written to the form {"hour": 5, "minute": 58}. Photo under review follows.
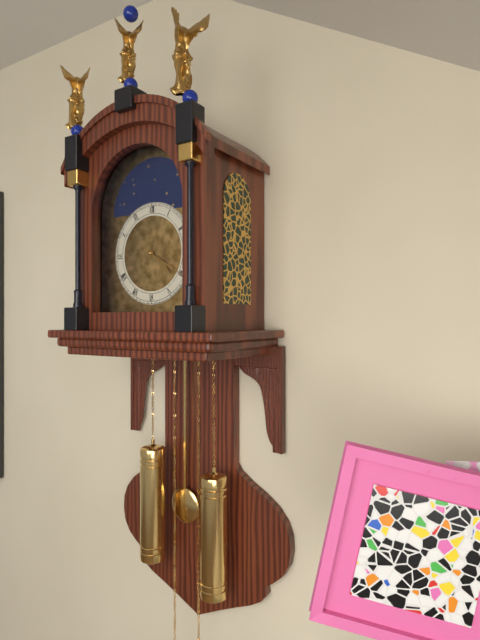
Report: {"hour": 4, "minute": 20}
